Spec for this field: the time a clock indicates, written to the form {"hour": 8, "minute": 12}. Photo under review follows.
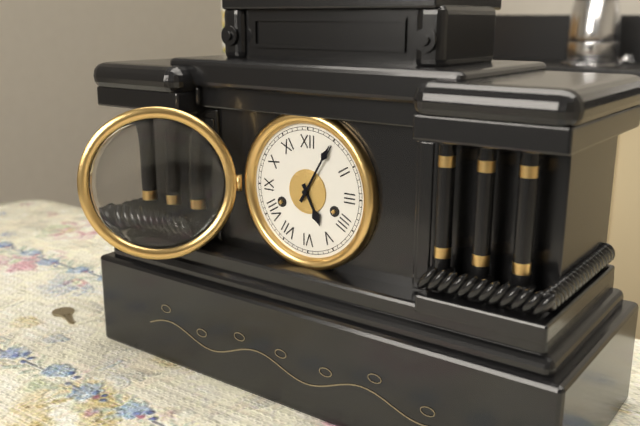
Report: {"hour": 5, "minute": 5}
